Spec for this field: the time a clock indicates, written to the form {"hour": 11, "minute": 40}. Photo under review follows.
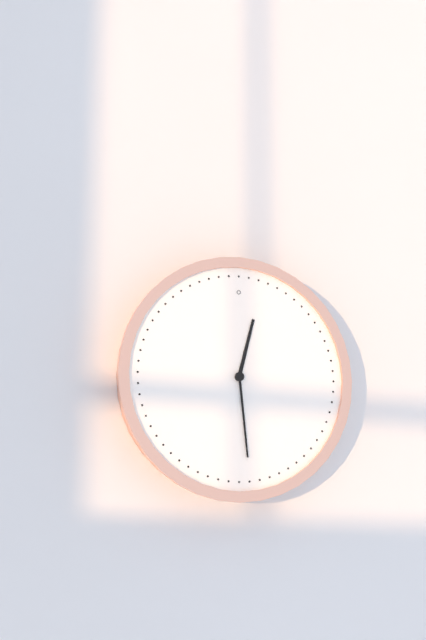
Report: {"hour": 12, "minute": 29}
